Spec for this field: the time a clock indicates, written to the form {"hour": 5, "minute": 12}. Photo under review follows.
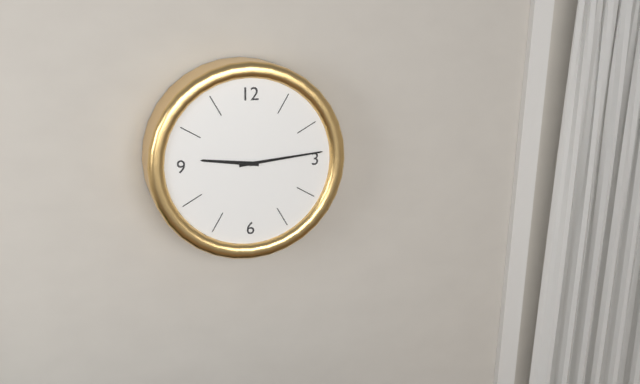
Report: {"hour": 9, "minute": 14}
